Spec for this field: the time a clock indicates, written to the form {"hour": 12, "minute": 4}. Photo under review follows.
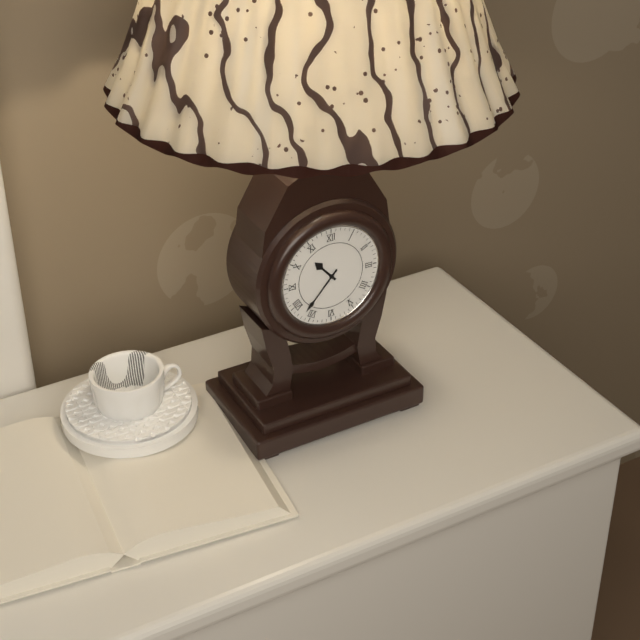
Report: {"hour": 10, "minute": 37}
